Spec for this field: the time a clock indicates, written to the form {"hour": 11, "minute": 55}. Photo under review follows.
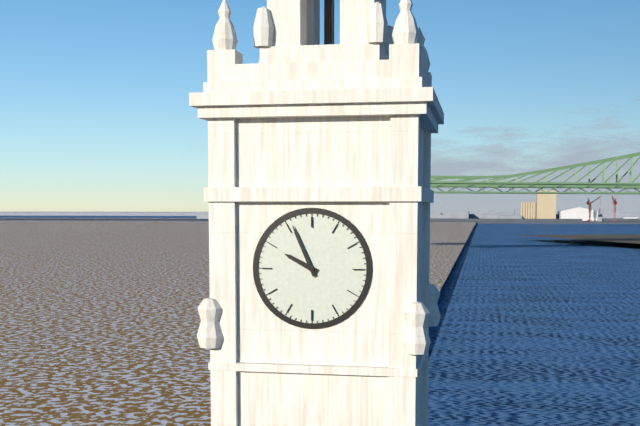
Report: {"hour": 9, "minute": 56}
